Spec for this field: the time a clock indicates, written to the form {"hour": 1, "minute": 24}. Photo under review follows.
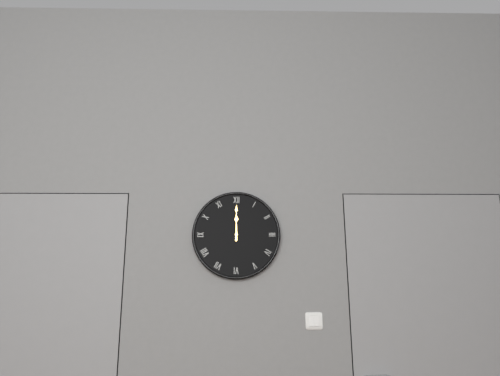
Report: {"hour": 12, "minute": 0}
